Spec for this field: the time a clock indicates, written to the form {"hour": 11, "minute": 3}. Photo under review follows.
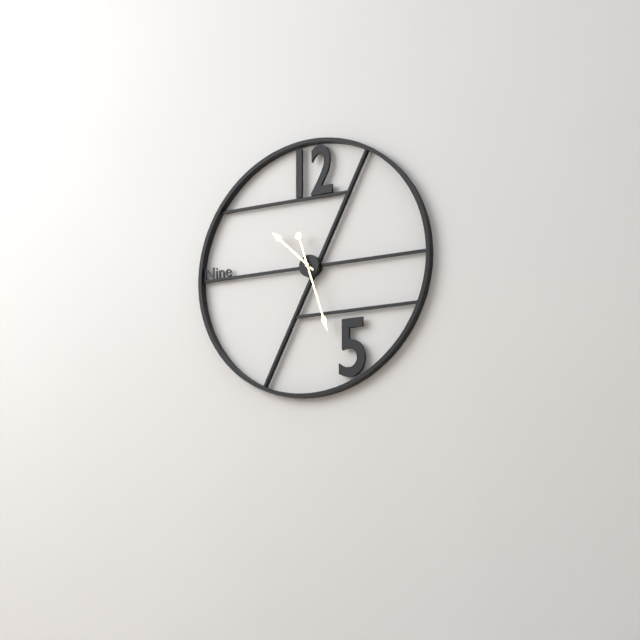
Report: {"hour": 10, "minute": 27}
